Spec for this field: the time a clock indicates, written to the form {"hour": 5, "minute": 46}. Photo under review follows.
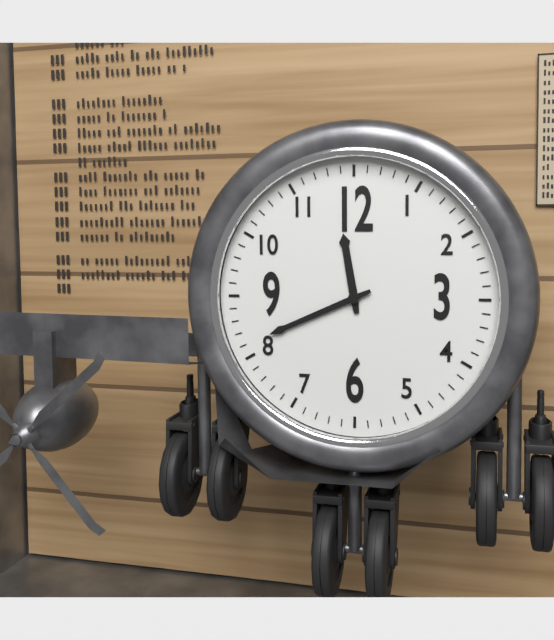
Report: {"hour": 11, "minute": 41}
